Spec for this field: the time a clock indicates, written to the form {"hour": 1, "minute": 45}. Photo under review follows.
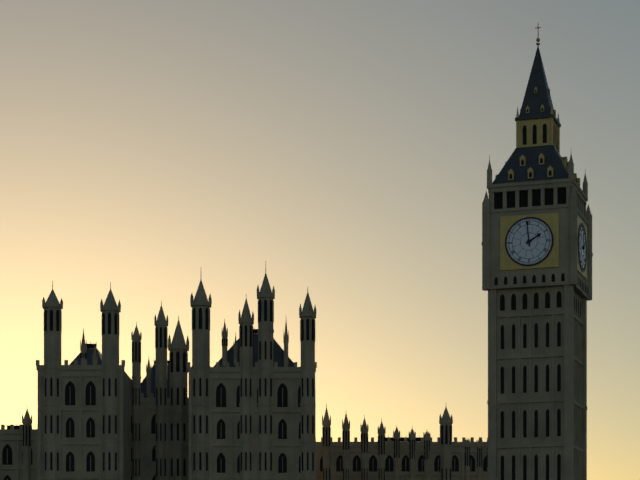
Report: {"hour": 1, "minute": 59}
